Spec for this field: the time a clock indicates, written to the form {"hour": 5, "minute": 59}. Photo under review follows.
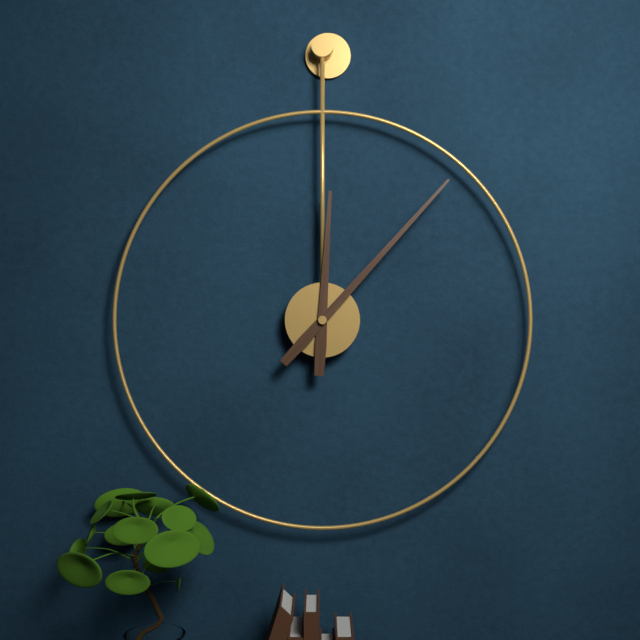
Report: {"hour": 12, "minute": 7}
